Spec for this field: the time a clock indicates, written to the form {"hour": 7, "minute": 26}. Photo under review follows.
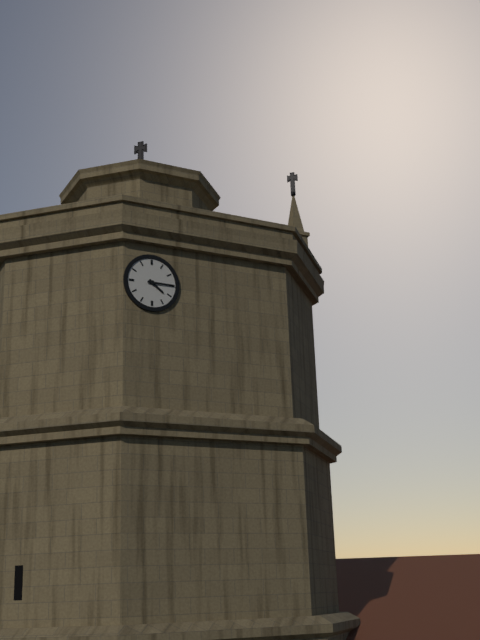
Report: {"hour": 4, "minute": 15}
